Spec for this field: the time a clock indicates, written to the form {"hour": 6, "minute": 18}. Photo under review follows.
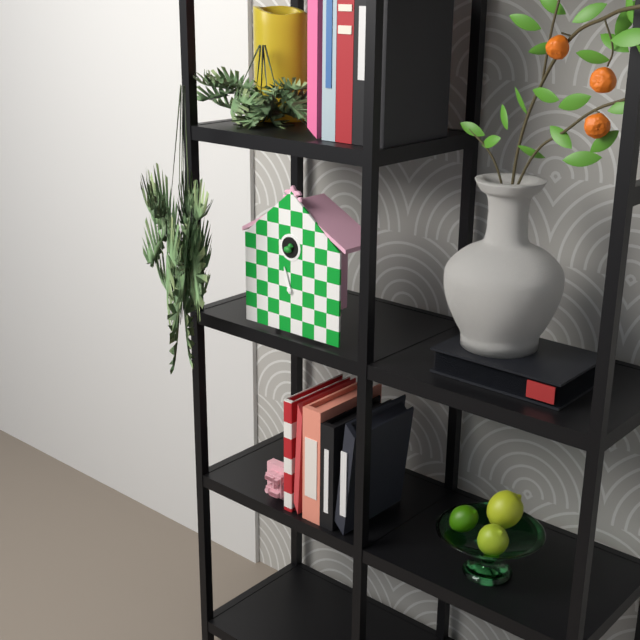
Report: {"hour": 10, "minute": 57}
